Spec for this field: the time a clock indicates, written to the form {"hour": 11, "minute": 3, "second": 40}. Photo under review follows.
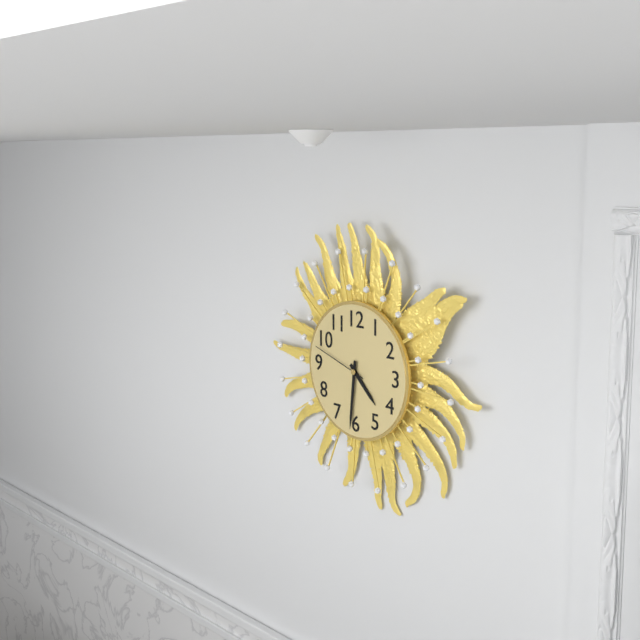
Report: {"hour": 4, "minute": 31, "second": 48}
